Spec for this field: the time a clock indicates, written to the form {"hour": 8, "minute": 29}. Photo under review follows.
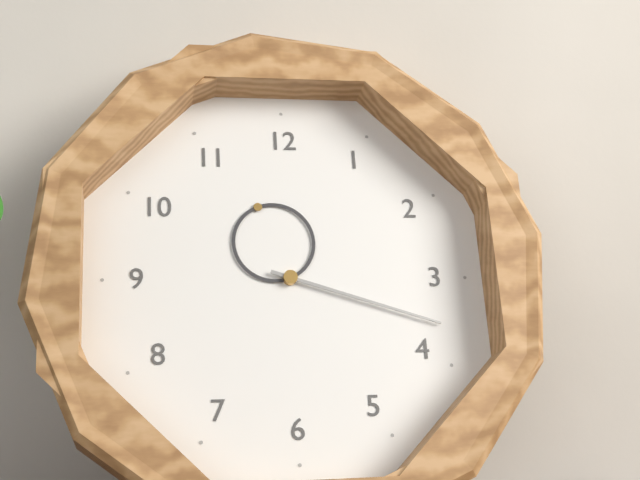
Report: {"hour": 11, "minute": 18}
